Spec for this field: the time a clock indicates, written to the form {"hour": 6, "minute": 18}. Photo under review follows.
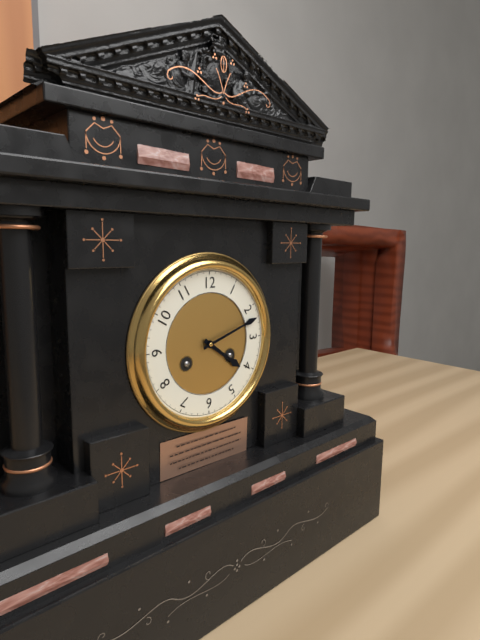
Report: {"hour": 4, "minute": 12}
